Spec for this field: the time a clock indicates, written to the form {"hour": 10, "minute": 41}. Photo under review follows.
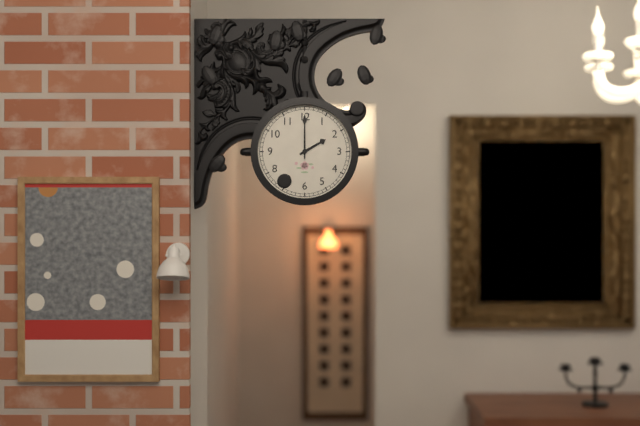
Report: {"hour": 2, "minute": 0}
